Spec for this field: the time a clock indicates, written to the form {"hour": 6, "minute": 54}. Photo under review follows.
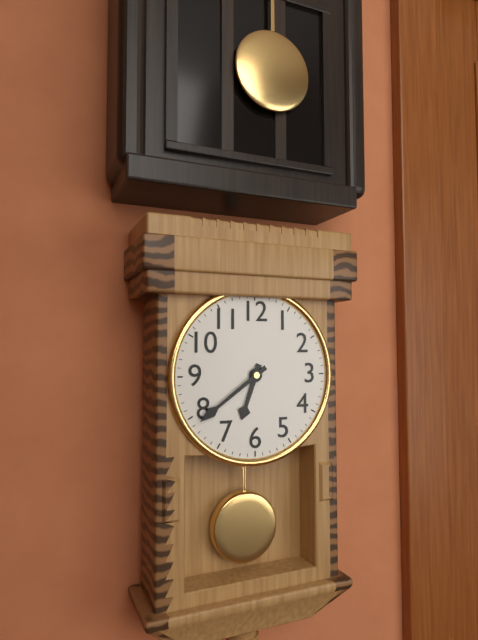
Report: {"hour": 6, "minute": 39}
